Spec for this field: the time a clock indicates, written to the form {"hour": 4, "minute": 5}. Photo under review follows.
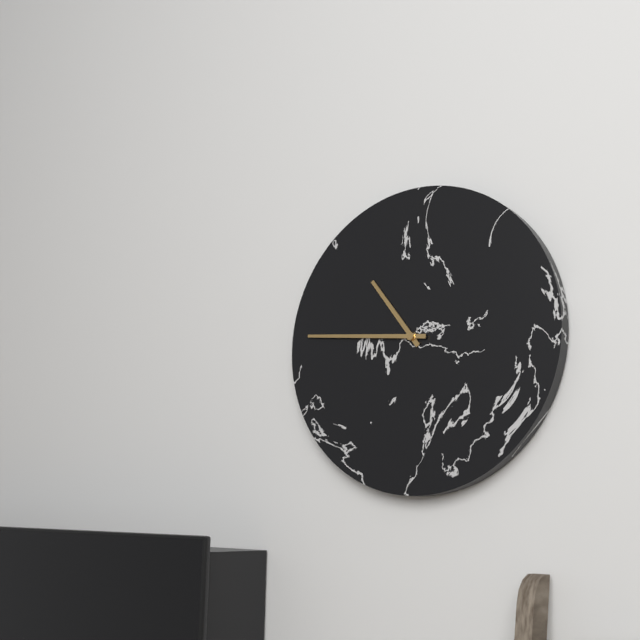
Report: {"hour": 10, "minute": 46}
